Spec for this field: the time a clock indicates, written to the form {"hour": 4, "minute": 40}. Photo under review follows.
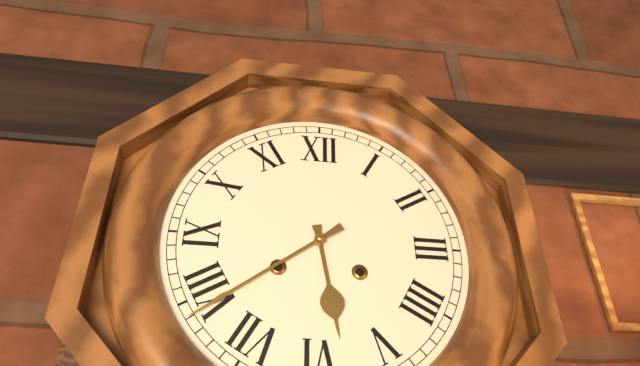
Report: {"hour": 5, "minute": 39}
